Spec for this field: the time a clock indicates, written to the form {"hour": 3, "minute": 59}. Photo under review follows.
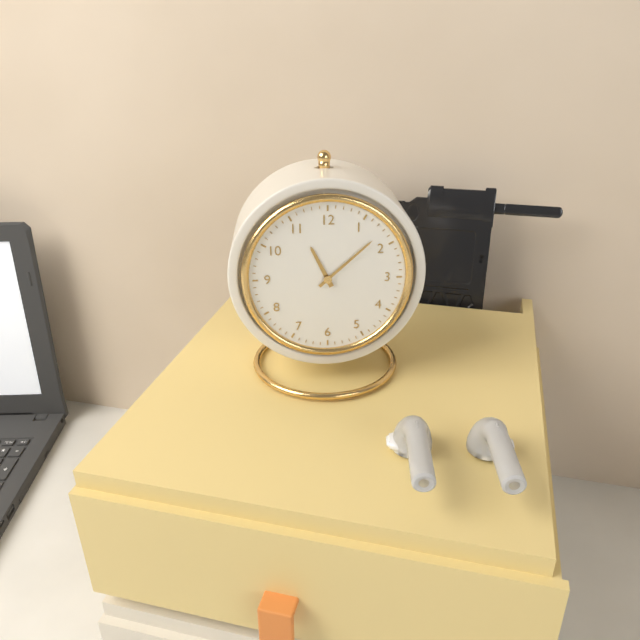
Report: {"hour": 11, "minute": 8}
